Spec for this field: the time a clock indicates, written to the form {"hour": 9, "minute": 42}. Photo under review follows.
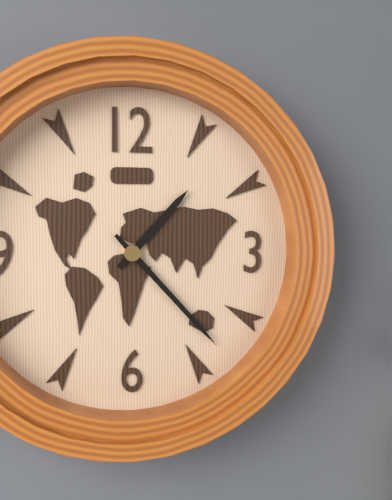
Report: {"hour": 1, "minute": 23}
